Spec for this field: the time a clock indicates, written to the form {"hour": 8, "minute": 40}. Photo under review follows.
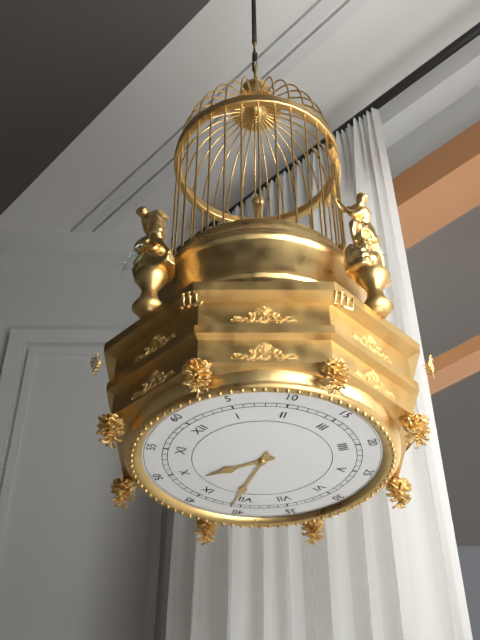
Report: {"hour": 9, "minute": 41}
